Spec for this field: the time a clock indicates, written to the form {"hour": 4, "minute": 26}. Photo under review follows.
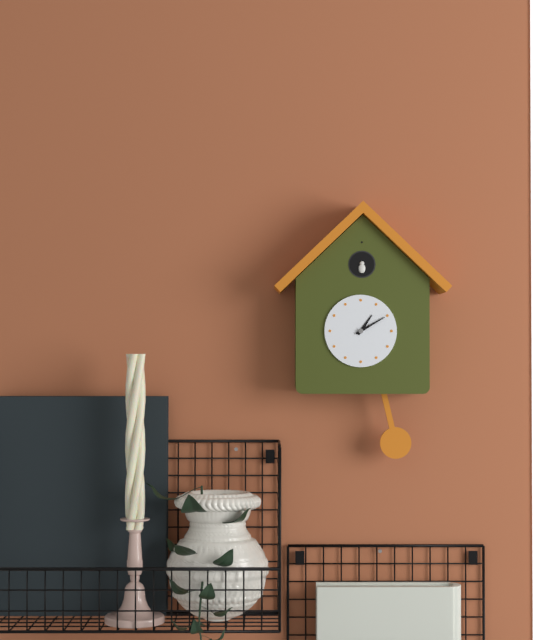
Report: {"hour": 1, "minute": 10}
